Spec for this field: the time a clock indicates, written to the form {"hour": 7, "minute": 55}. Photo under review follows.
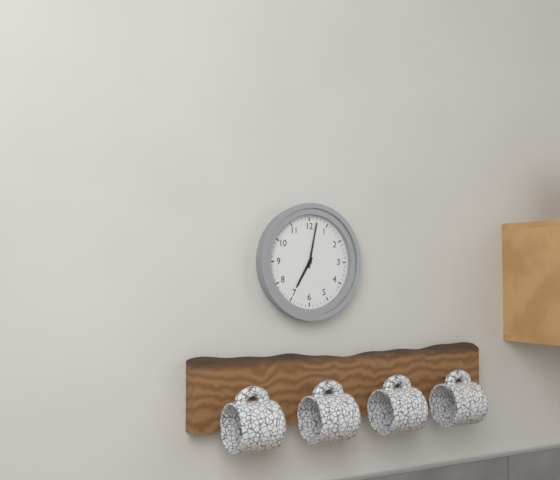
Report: {"hour": 7, "minute": 2}
